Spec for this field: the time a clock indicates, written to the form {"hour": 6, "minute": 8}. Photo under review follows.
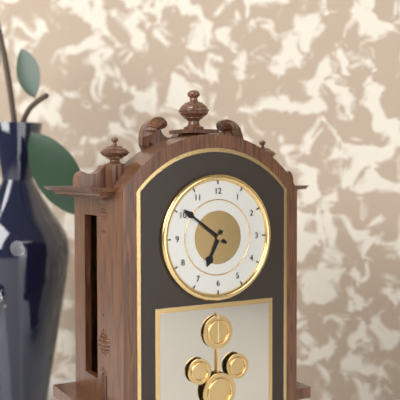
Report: {"hour": 6, "minute": 51}
